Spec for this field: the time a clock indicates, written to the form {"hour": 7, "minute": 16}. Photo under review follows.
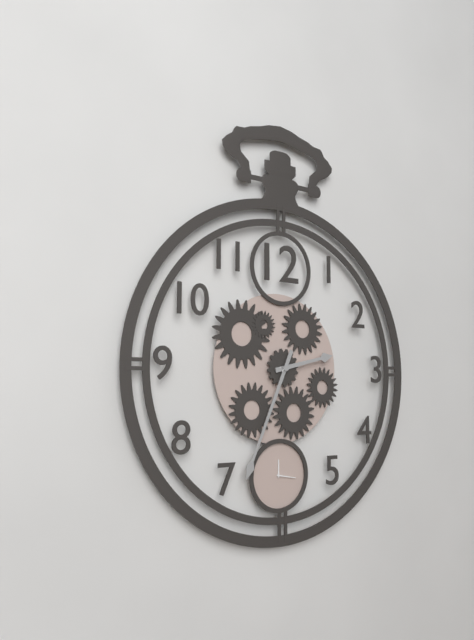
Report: {"hour": 2, "minute": 34}
